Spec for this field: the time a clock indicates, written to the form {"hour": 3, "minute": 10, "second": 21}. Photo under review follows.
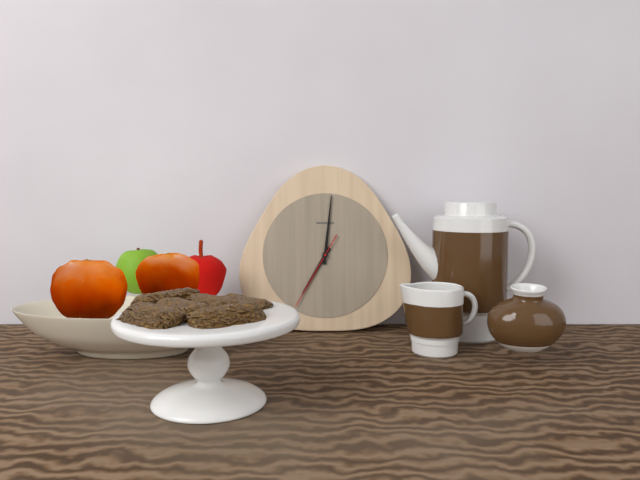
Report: {"hour": 7, "minute": 1, "second": 35}
